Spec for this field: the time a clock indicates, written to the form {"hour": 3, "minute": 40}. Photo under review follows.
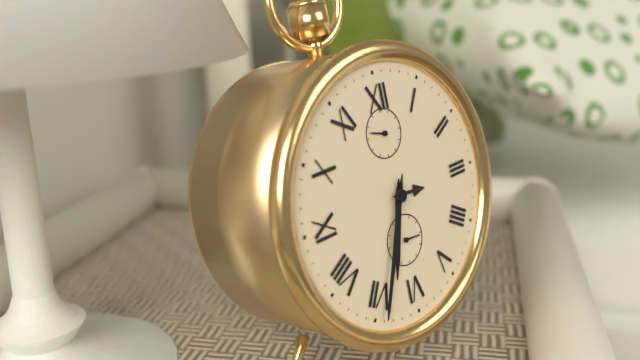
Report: {"hour": 6, "minute": 34}
